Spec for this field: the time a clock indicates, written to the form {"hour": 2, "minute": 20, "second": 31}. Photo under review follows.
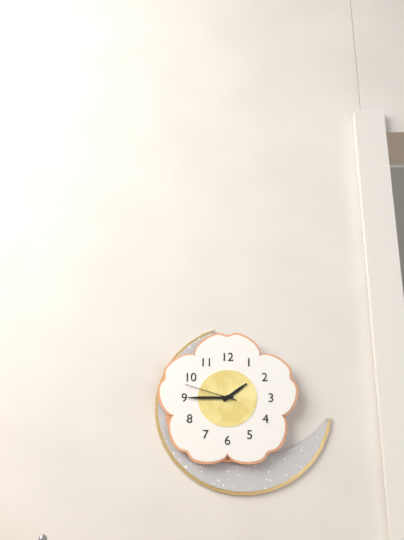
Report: {"hour": 1, "minute": 45, "second": 48}
